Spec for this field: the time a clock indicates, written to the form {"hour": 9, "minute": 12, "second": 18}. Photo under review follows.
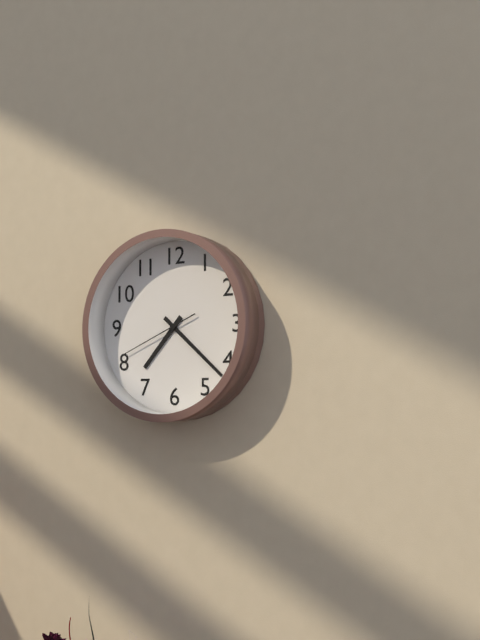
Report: {"hour": 7, "minute": 22, "second": 41}
